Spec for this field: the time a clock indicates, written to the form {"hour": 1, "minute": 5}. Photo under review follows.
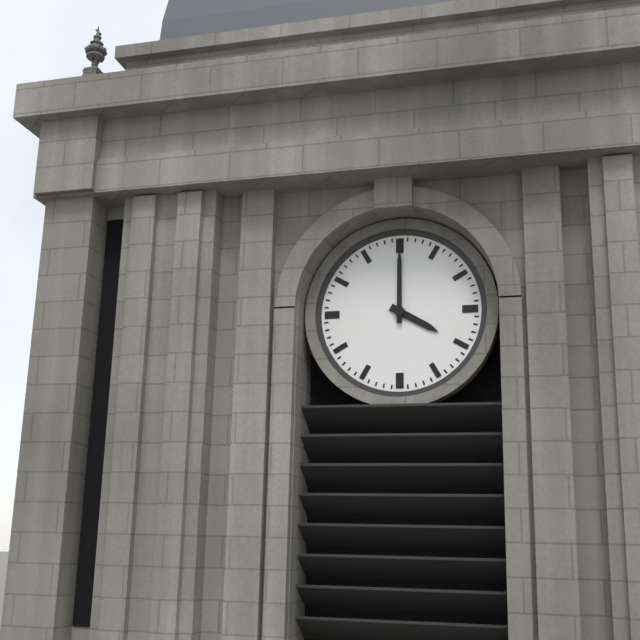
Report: {"hour": 4, "minute": 0}
